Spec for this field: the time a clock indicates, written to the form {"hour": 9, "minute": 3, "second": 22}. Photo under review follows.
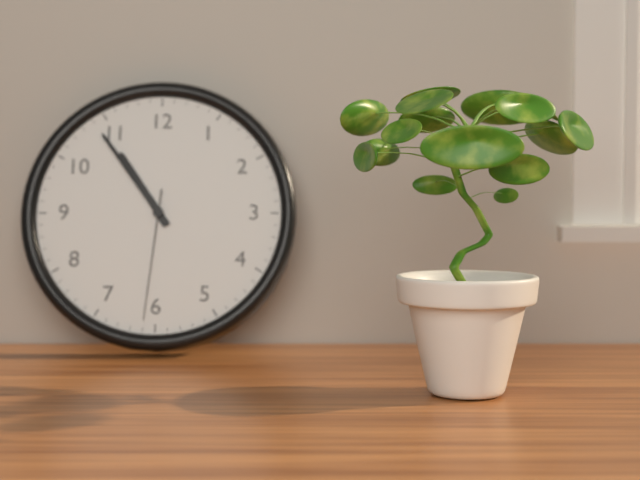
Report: {"hour": 10, "minute": 54, "second": 31}
